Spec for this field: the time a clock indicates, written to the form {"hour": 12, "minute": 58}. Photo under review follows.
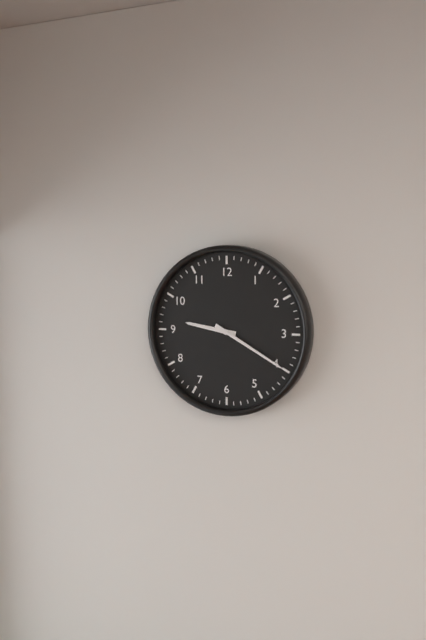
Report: {"hour": 9, "minute": 20}
